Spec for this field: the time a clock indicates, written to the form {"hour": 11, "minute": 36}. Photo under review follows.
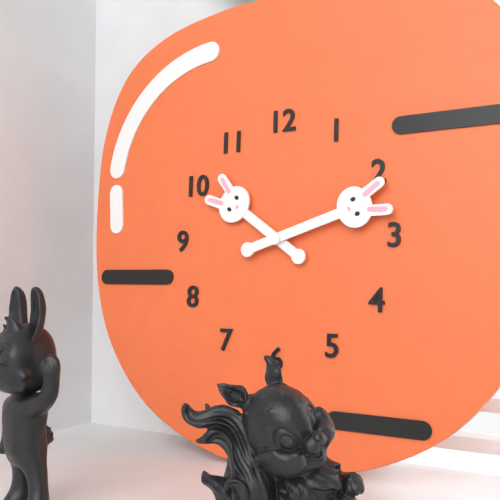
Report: {"hour": 10, "minute": 12}
